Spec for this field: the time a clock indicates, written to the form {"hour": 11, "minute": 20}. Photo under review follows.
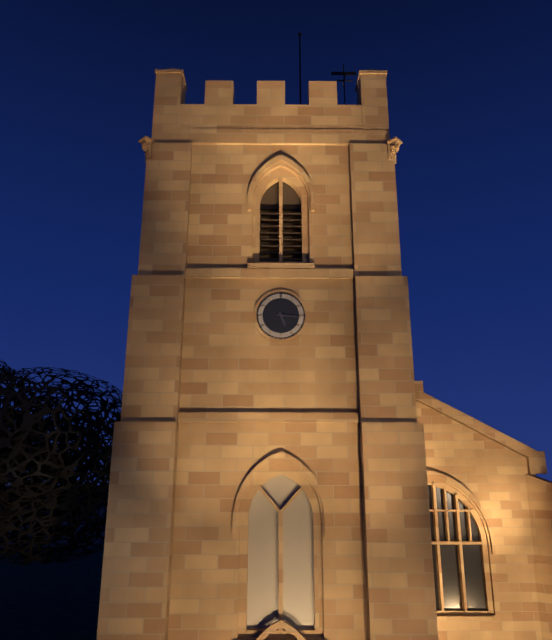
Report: {"hour": 5, "minute": 16}
